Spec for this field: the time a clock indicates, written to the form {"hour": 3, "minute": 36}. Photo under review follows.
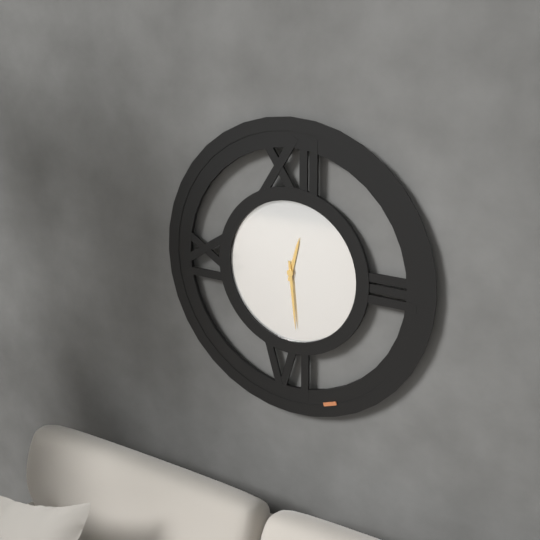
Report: {"hour": 12, "minute": 29}
